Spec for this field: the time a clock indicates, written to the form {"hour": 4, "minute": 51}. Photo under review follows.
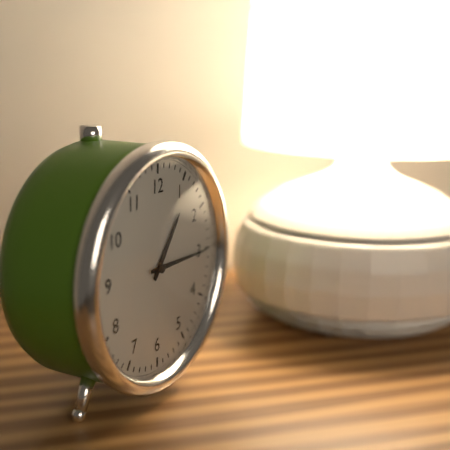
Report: {"hour": 1, "minute": 15}
